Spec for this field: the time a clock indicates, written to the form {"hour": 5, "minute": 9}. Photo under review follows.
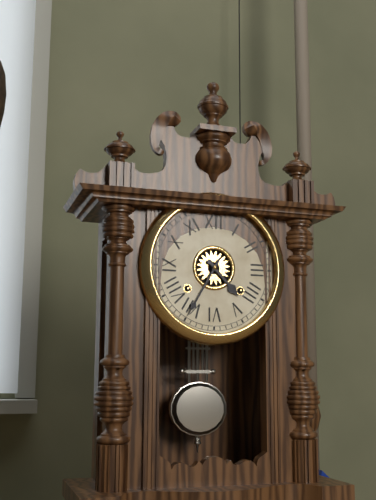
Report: {"hour": 4, "minute": 35}
